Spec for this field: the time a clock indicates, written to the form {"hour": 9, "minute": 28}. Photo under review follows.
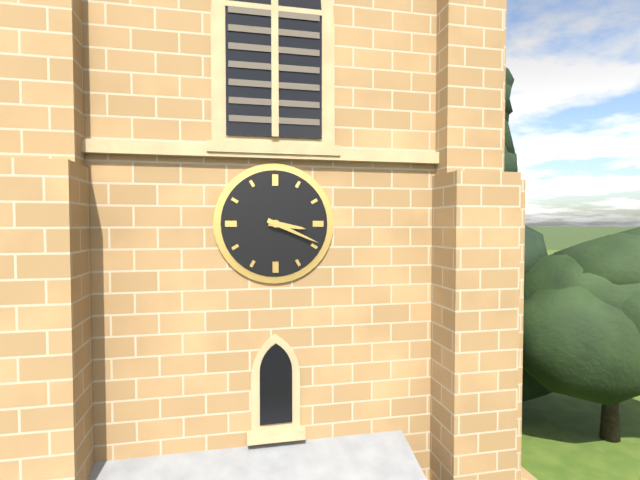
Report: {"hour": 3, "minute": 19}
